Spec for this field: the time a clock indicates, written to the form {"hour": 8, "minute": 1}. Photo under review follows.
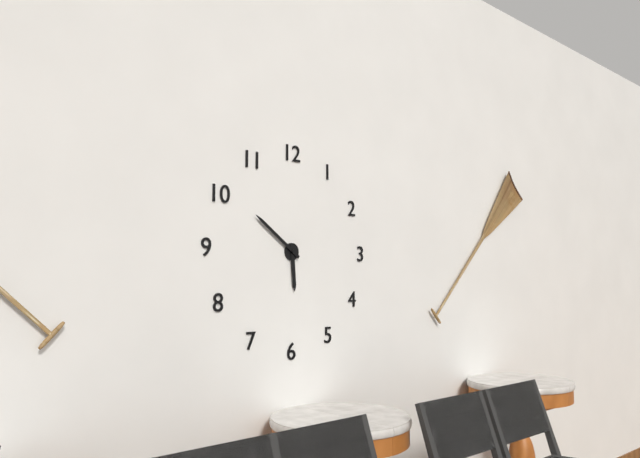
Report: {"hour": 5, "minute": 51}
